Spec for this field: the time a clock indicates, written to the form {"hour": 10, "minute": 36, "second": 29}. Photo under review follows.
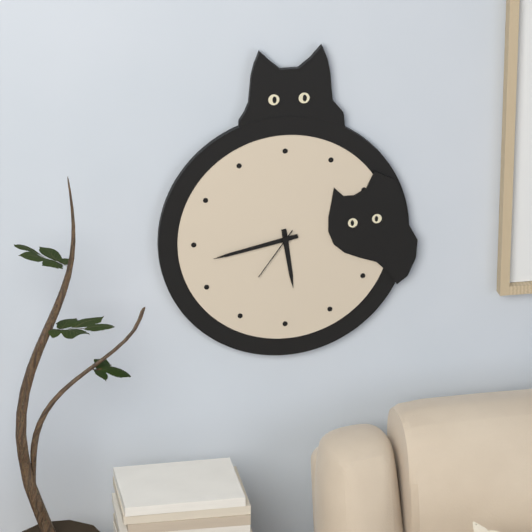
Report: {"hour": 5, "minute": 43, "second": 36}
